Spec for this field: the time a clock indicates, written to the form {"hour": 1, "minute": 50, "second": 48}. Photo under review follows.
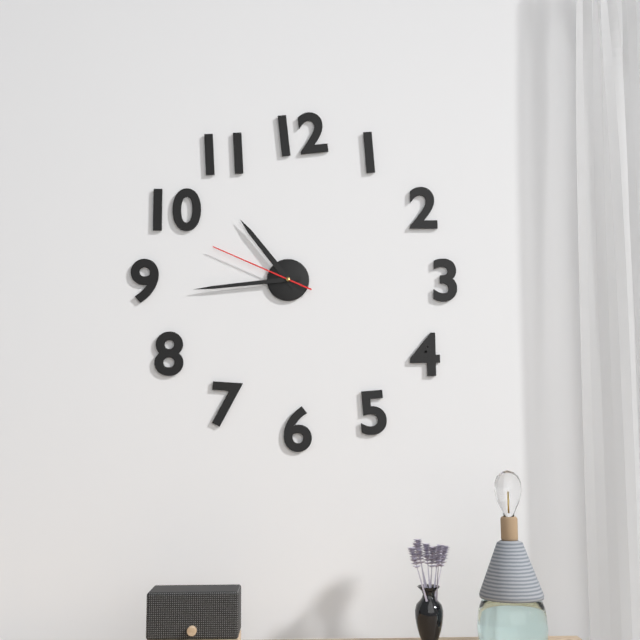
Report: {"hour": 10, "minute": 44, "second": 49}
